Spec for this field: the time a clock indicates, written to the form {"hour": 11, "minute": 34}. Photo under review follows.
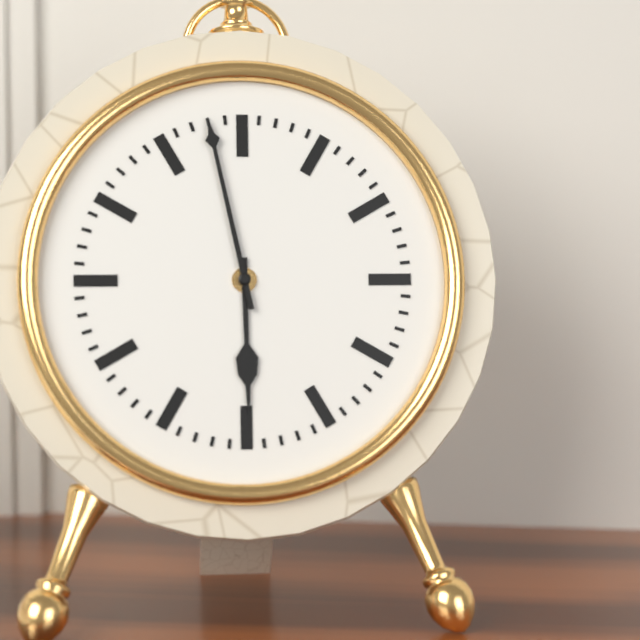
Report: {"hour": 5, "minute": 58}
